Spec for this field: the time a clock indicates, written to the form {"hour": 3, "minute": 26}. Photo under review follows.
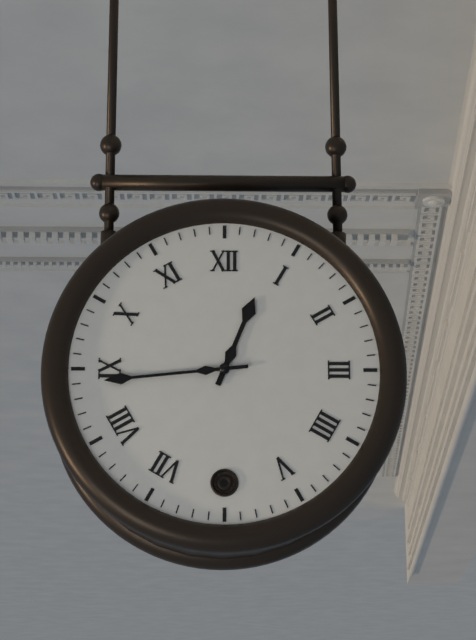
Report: {"hour": 12, "minute": 44}
